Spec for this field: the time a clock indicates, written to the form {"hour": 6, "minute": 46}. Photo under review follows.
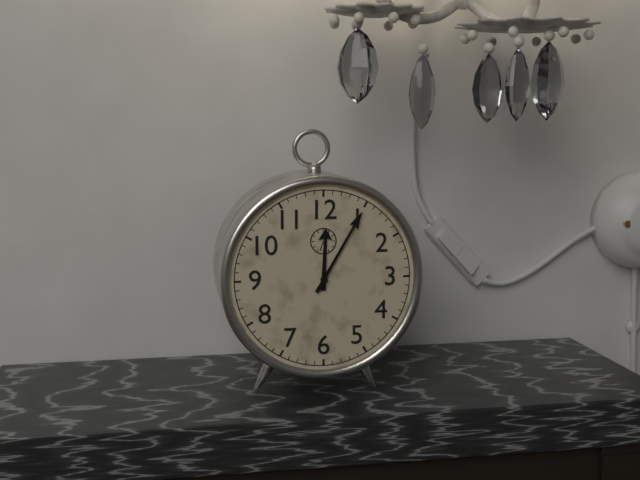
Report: {"hour": 12, "minute": 5}
